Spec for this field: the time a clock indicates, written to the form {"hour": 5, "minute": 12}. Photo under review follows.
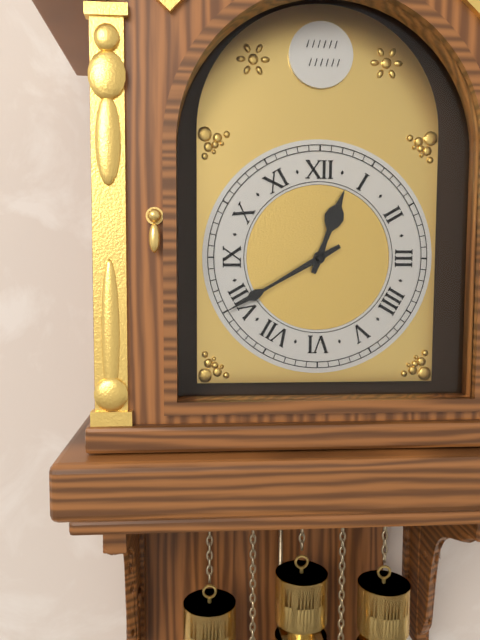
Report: {"hour": 12, "minute": 40}
